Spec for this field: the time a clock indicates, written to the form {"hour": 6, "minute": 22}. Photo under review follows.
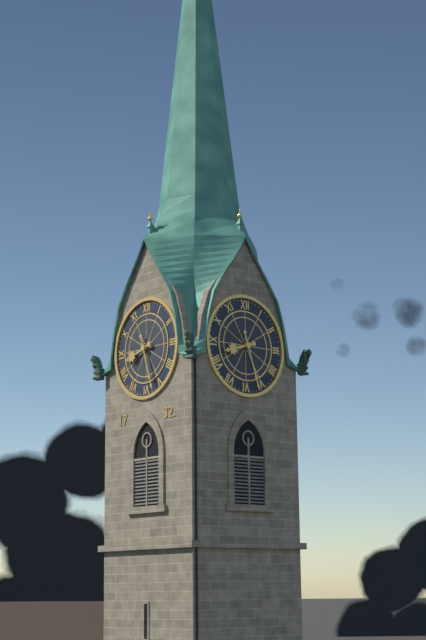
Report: {"hour": 8, "minute": 27}
